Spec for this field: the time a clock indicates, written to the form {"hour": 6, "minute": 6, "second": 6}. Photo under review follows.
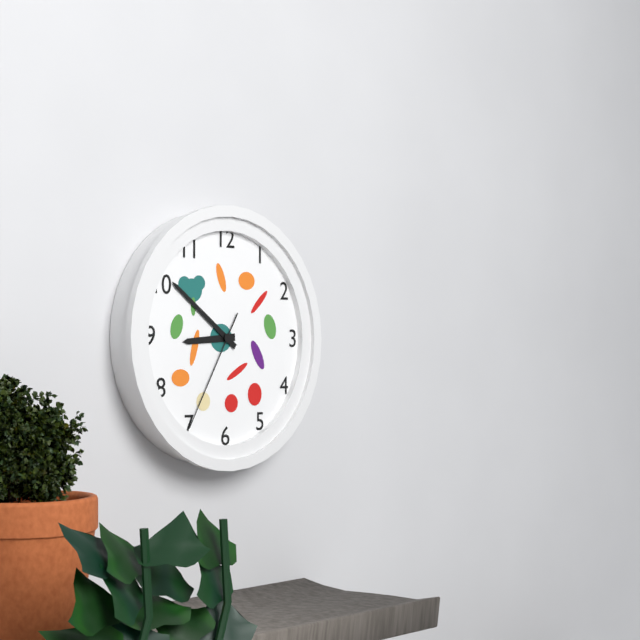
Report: {"hour": 8, "minute": 51, "second": 35}
